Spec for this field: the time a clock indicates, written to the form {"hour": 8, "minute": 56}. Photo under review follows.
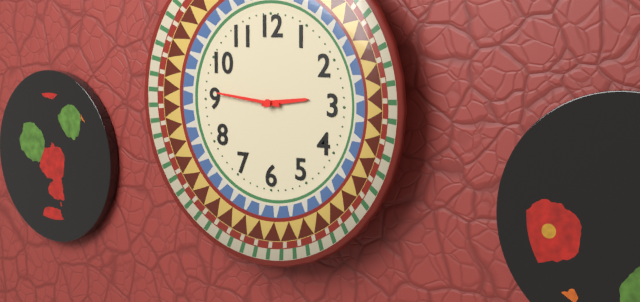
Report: {"hour": 2, "minute": 46}
